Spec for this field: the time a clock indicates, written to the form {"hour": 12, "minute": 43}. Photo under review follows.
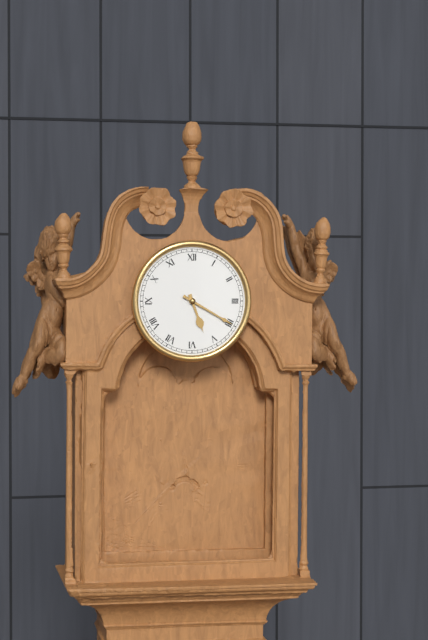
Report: {"hour": 5, "minute": 20}
